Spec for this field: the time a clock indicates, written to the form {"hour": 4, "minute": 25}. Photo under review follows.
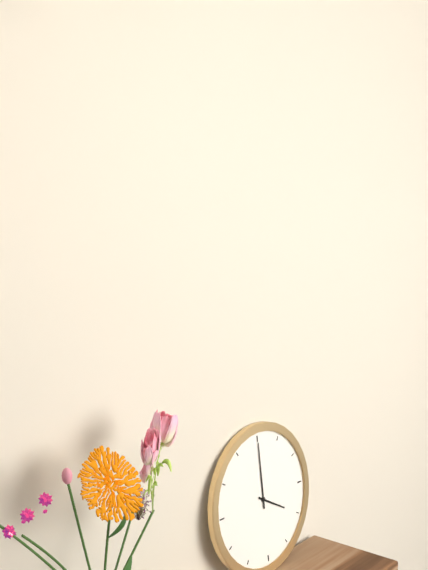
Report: {"hour": 4, "minute": 0}
